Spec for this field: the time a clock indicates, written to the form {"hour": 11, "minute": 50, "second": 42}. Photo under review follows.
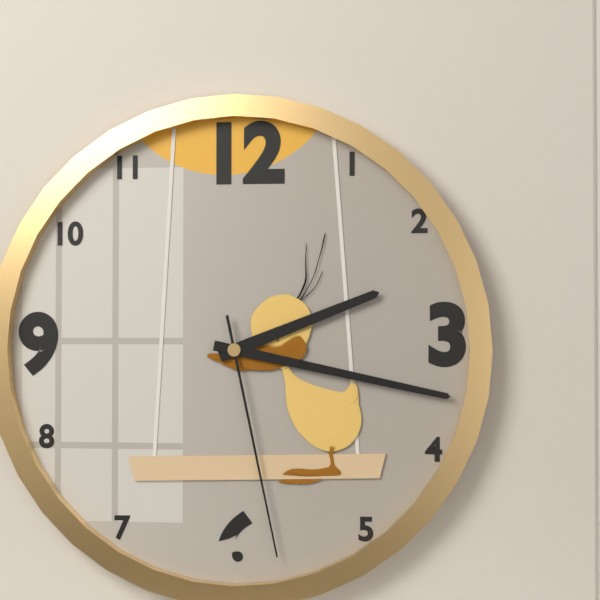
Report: {"hour": 2, "minute": 17, "second": 28}
